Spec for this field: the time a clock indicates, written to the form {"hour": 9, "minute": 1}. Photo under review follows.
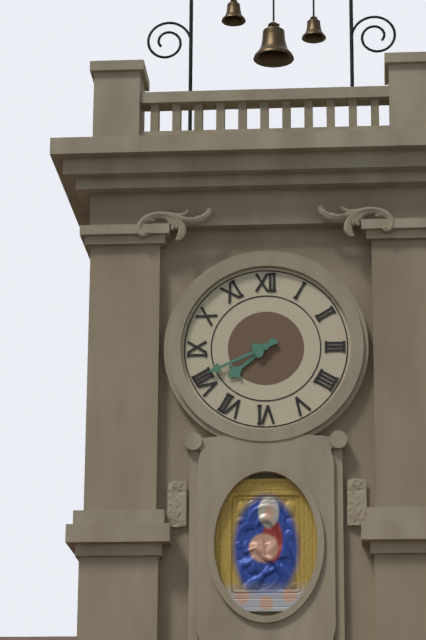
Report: {"hour": 7, "minute": 41}
